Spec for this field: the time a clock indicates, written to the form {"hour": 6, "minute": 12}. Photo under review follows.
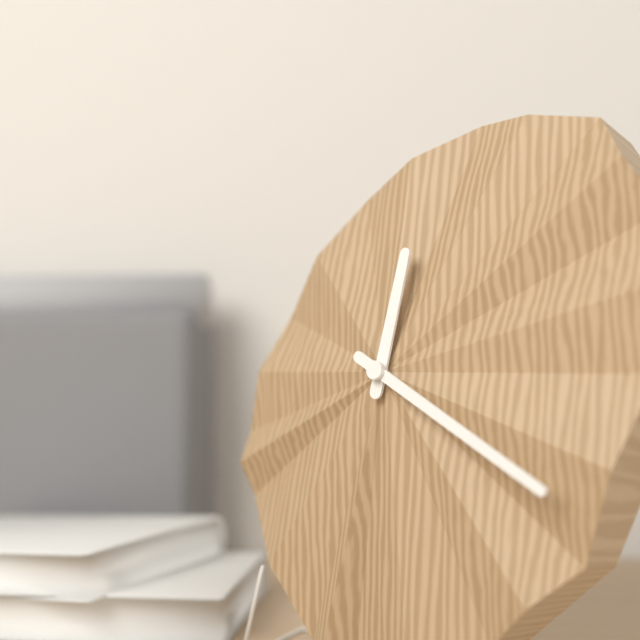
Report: {"hour": 12, "minute": 20}
